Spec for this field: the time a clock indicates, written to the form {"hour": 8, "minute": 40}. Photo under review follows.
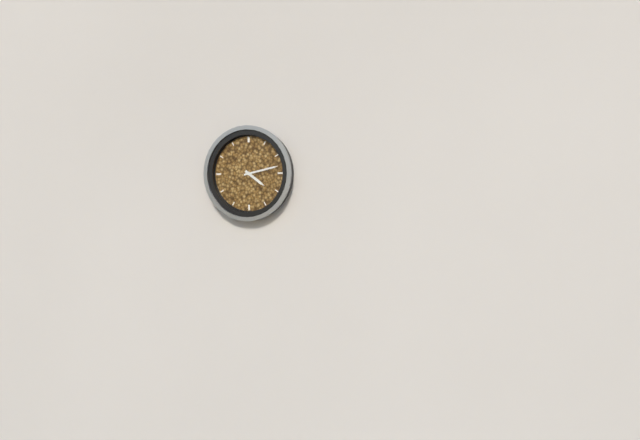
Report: {"hour": 4, "minute": 13}
